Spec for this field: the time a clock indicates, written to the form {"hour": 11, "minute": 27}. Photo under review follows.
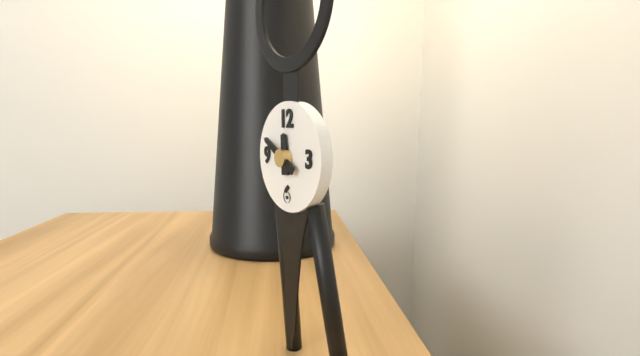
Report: {"hour": 11, "minute": 50}
